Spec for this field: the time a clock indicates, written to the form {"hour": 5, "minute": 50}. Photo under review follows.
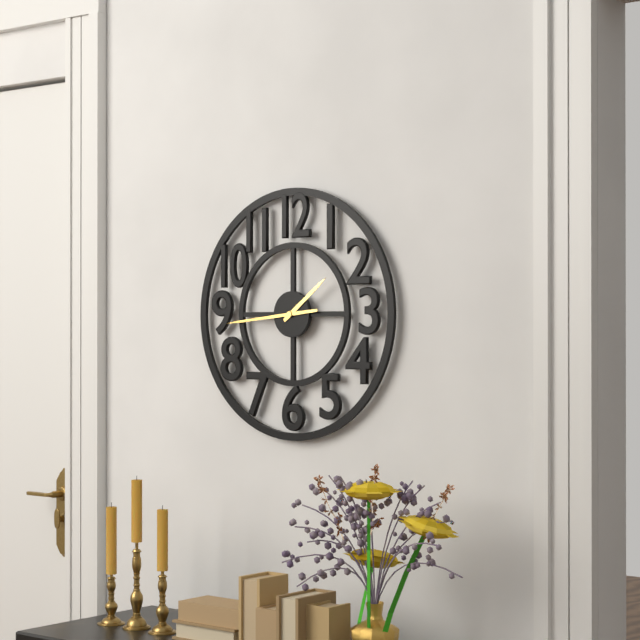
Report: {"hour": 1, "minute": 44}
